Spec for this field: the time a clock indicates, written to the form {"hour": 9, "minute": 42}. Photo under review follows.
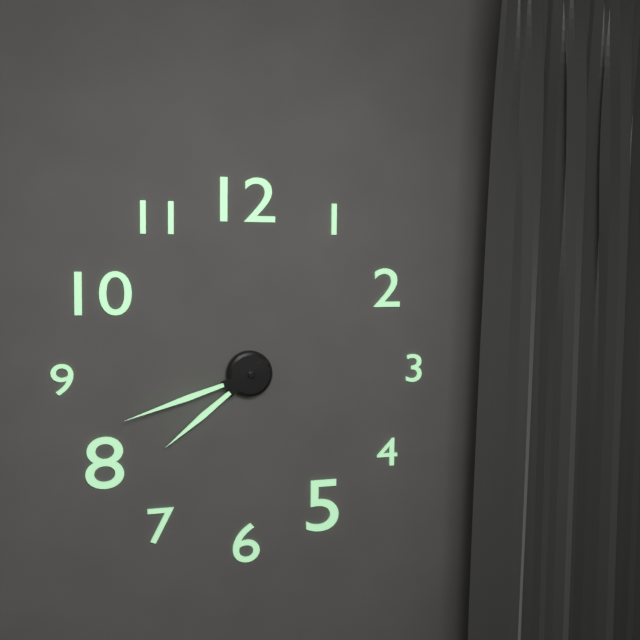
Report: {"hour": 7, "minute": 42}
